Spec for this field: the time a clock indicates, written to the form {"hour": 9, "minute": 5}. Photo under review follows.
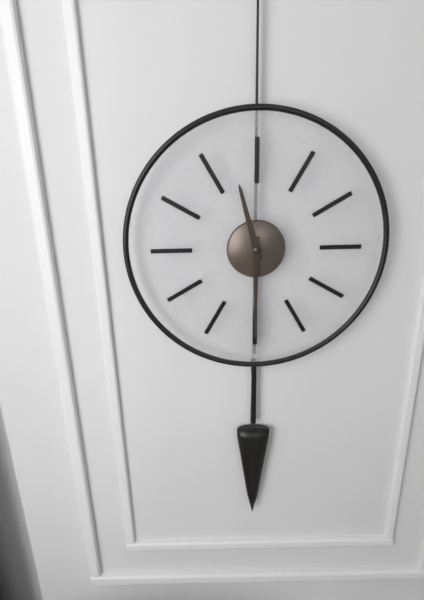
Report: {"hour": 11, "minute": 30}
